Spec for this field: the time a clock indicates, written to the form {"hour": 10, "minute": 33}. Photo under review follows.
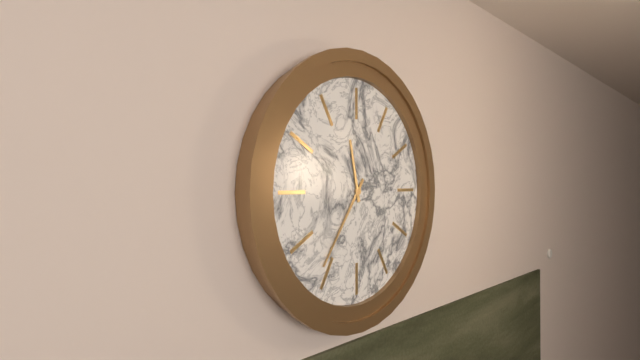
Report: {"hour": 11, "minute": 36}
